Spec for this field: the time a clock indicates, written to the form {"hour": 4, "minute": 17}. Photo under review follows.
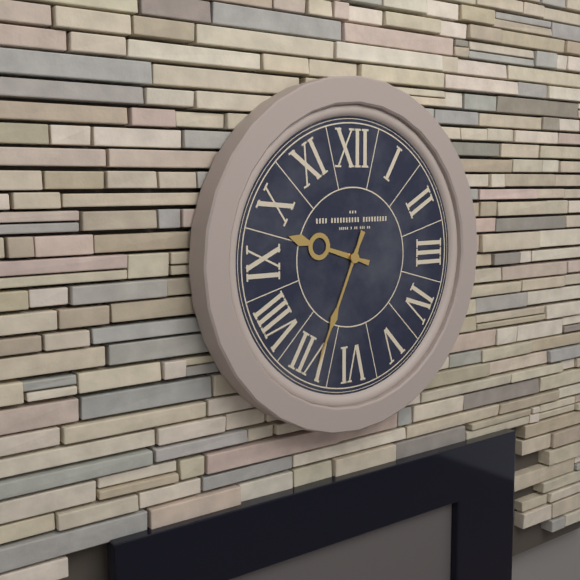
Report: {"hour": 9, "minute": 34}
